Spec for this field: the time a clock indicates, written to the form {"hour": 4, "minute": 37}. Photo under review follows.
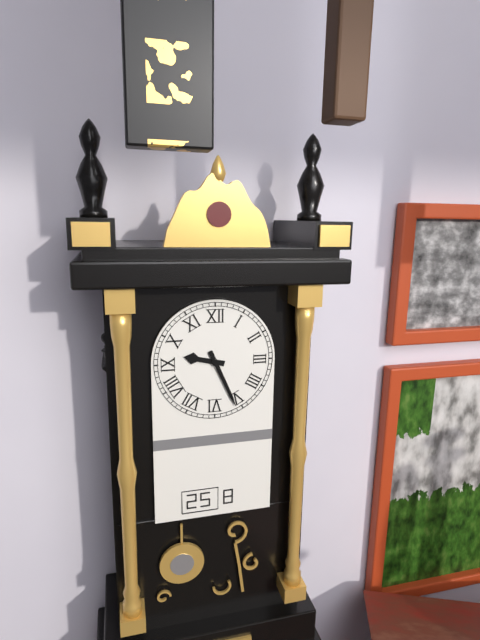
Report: {"hour": 9, "minute": 26}
